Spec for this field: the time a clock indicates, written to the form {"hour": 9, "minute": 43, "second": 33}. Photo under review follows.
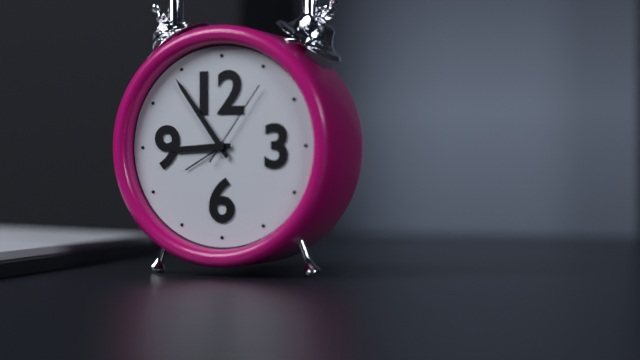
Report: {"hour": 8, "minute": 54, "second": 6}
